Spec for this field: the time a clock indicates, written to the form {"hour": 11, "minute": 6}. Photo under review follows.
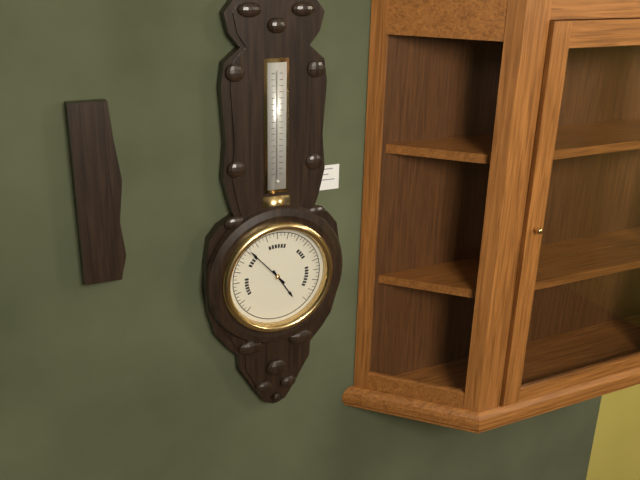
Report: {"hour": 4, "minute": 53}
